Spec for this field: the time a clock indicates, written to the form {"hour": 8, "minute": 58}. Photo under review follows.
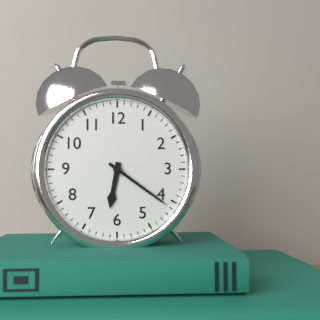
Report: {"hour": 6, "minute": 21}
